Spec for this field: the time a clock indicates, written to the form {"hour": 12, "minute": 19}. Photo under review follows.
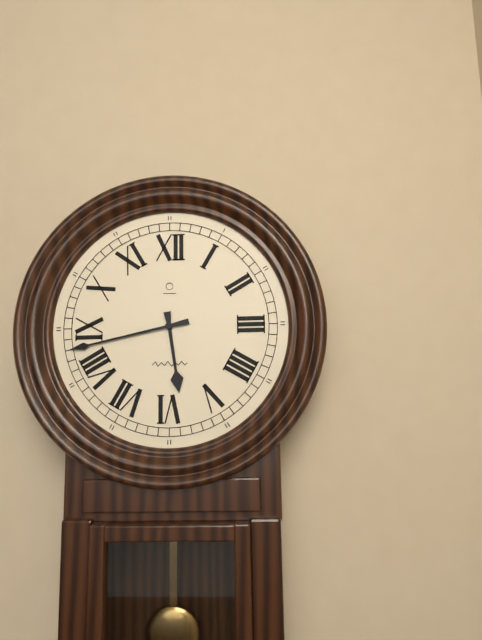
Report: {"hour": 5, "minute": 43}
